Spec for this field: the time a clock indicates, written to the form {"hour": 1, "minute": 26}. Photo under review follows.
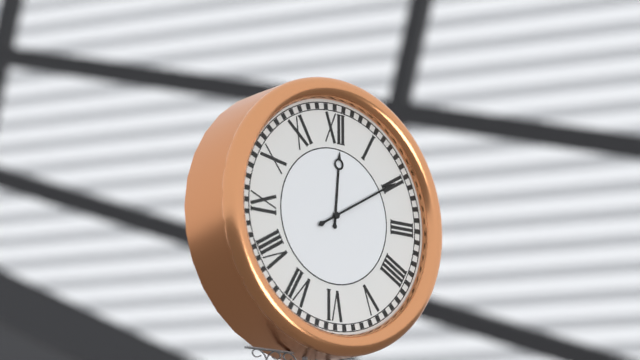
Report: {"hour": 12, "minute": 10}
